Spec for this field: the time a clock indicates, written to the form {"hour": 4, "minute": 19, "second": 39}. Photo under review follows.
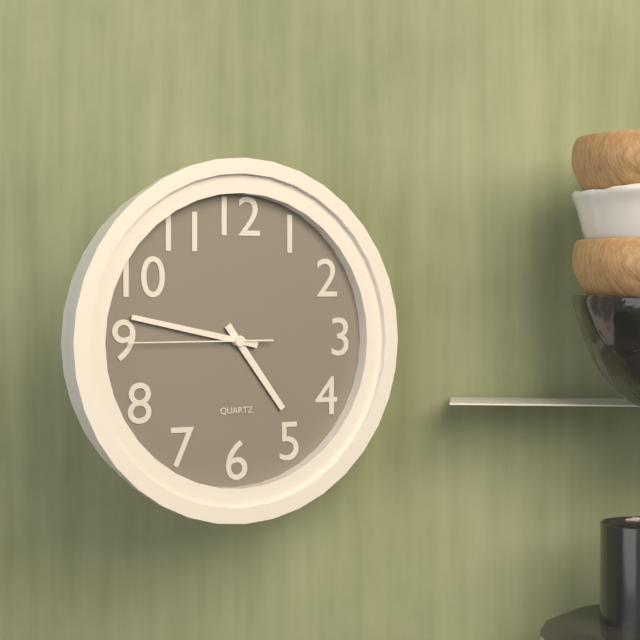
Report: {"hour": 4, "minute": 47, "second": 45}
